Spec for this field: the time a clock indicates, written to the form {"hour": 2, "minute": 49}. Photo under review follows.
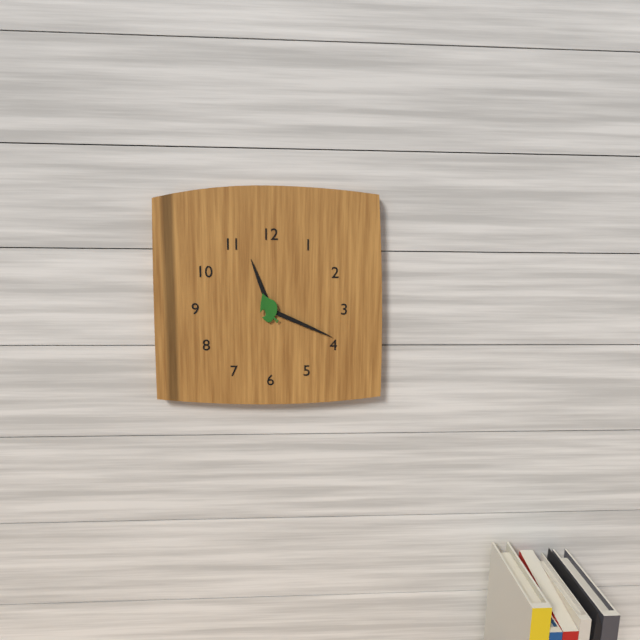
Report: {"hour": 11, "minute": 19}
